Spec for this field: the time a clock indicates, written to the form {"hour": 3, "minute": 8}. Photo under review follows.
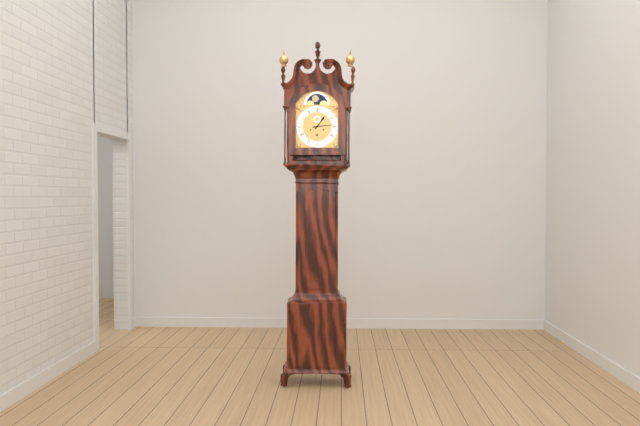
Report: {"hour": 1, "minute": 14}
